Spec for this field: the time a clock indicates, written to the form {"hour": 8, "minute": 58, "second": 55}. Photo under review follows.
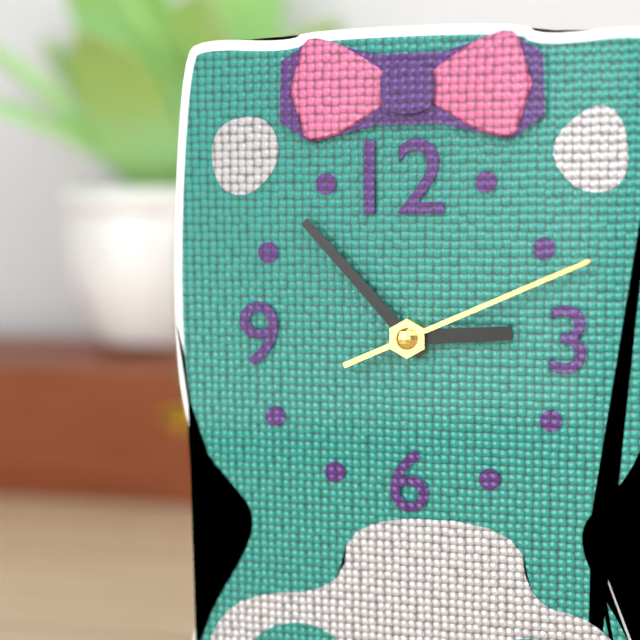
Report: {"hour": 2, "minute": 53, "second": 11}
